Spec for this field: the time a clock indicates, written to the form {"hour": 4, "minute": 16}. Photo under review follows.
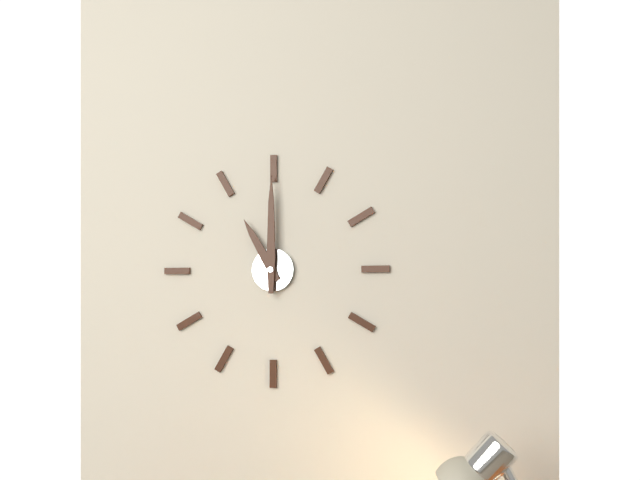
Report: {"hour": 11, "minute": 0}
